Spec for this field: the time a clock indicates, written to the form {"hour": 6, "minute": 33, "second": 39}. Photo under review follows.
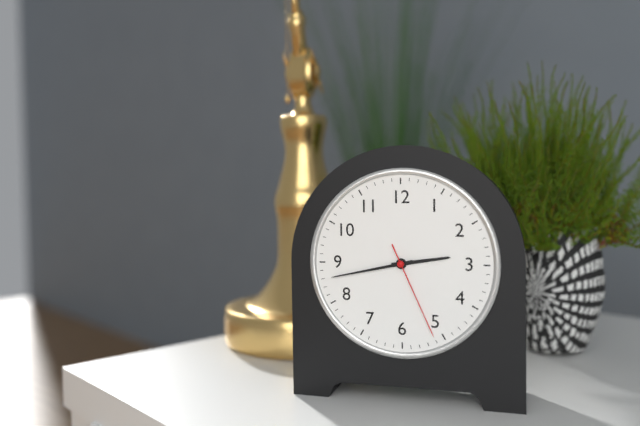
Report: {"hour": 2, "minute": 43, "second": 26}
